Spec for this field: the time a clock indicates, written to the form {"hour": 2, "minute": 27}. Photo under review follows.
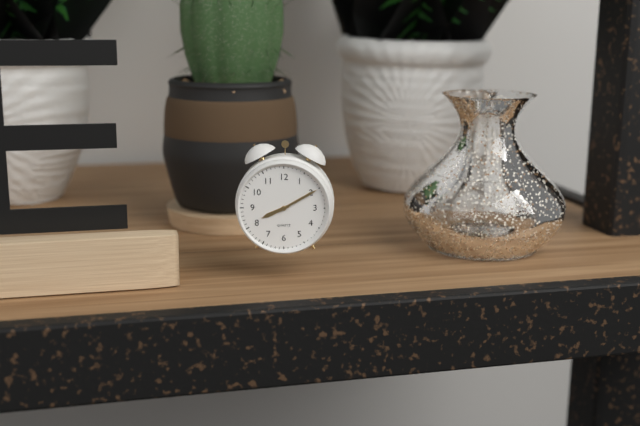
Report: {"hour": 8, "minute": 10}
